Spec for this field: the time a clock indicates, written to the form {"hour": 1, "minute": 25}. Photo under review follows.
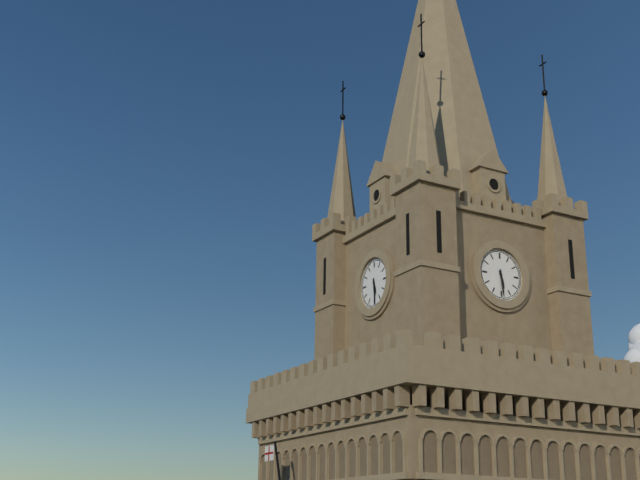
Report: {"hour": 5, "minute": 29}
